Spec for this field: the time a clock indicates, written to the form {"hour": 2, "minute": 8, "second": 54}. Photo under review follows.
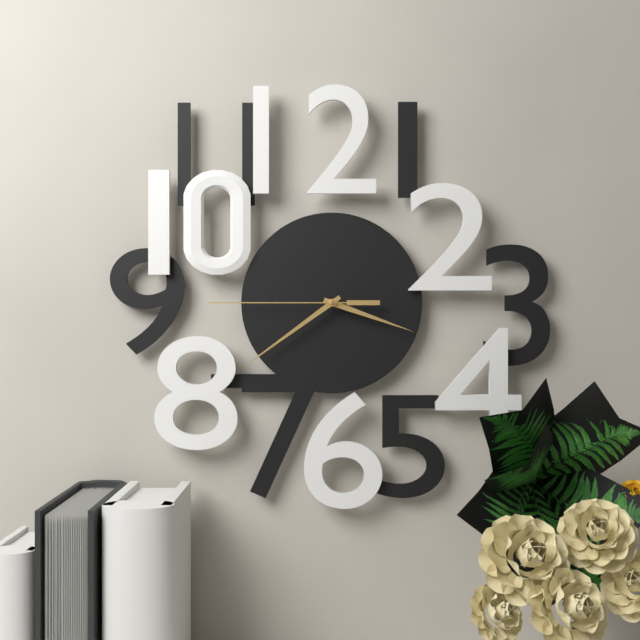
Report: {"hour": 3, "minute": 39, "second": 45}
